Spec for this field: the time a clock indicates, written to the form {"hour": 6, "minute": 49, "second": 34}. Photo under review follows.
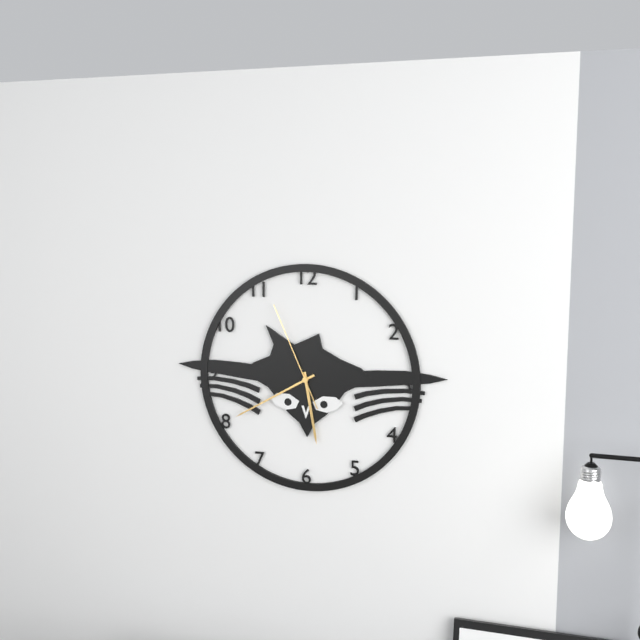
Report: {"hour": 5, "minute": 40, "second": 56}
